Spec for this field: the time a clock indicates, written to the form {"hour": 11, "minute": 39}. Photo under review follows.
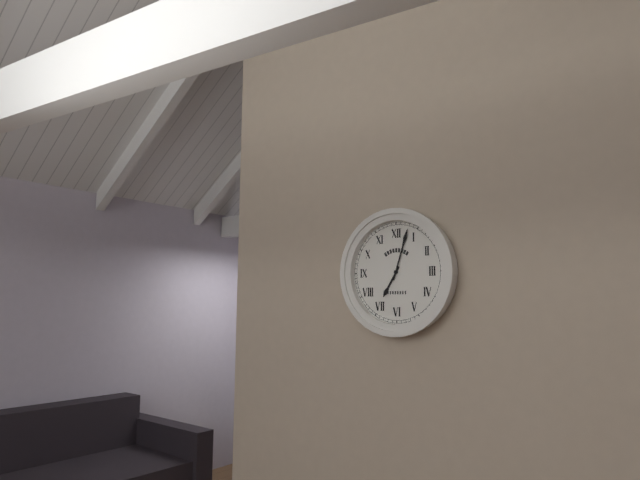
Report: {"hour": 7, "minute": 3}
